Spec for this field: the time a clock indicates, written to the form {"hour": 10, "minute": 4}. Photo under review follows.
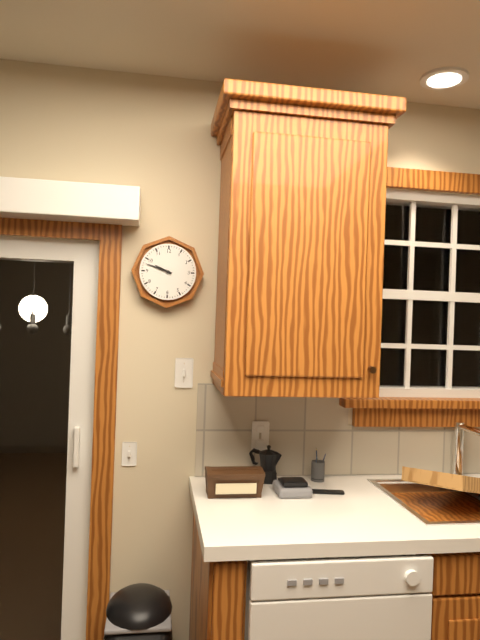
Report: {"hour": 9, "minute": 48}
